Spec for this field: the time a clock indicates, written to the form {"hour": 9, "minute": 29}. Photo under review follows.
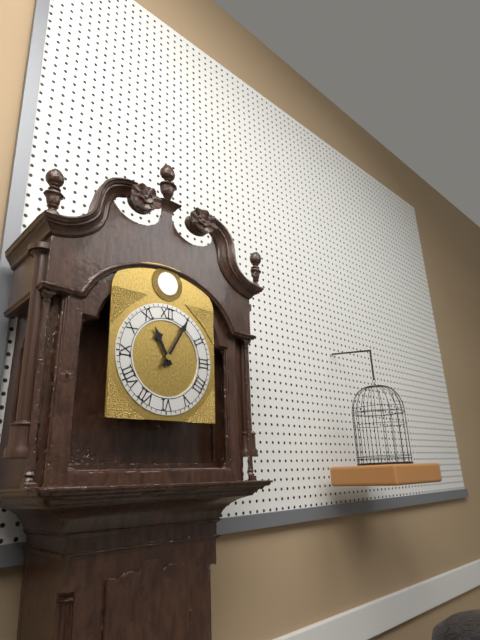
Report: {"hour": 11, "minute": 5}
